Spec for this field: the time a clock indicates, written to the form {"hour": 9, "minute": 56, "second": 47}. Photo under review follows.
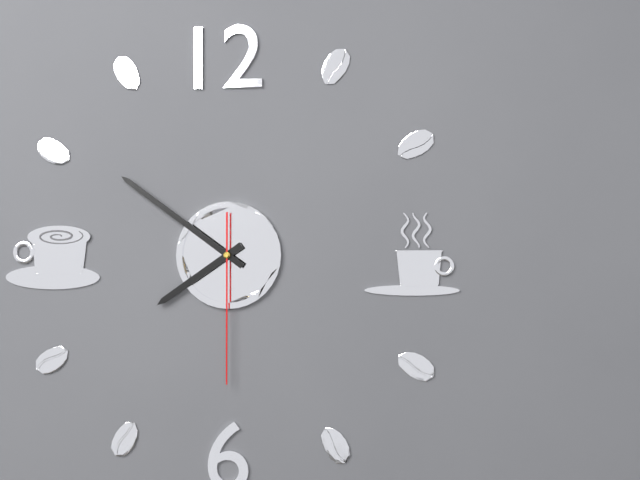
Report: {"hour": 7, "minute": 51, "second": 30}
